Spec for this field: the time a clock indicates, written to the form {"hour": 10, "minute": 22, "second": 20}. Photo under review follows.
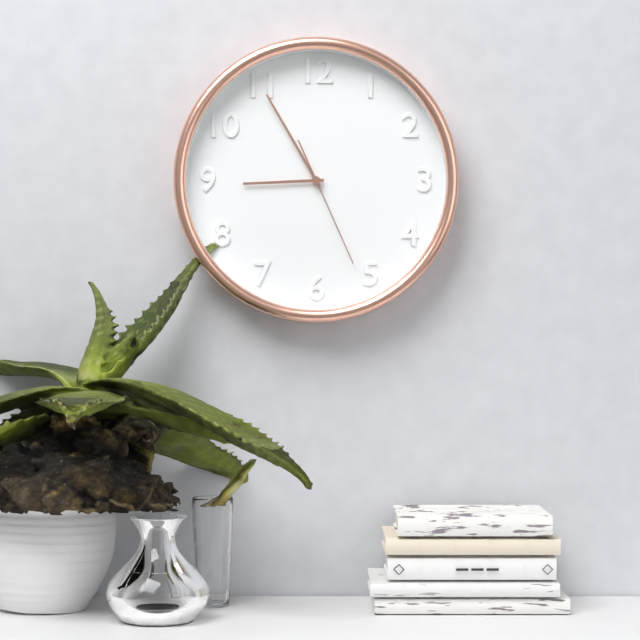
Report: {"hour": 8, "minute": 55, "second": 26}
